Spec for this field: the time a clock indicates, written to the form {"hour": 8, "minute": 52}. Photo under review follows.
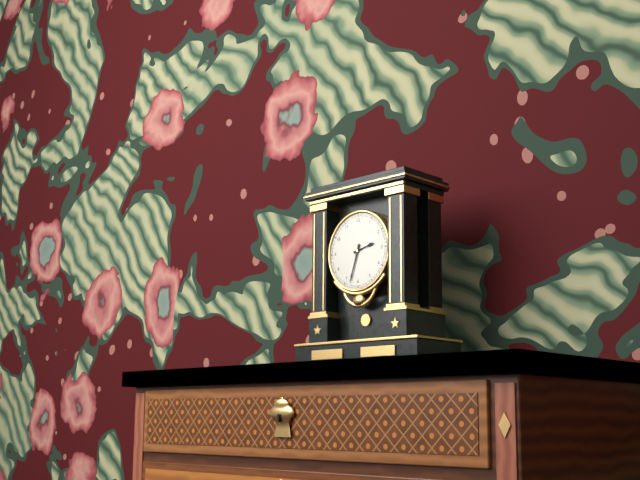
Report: {"hour": 2, "minute": 33}
